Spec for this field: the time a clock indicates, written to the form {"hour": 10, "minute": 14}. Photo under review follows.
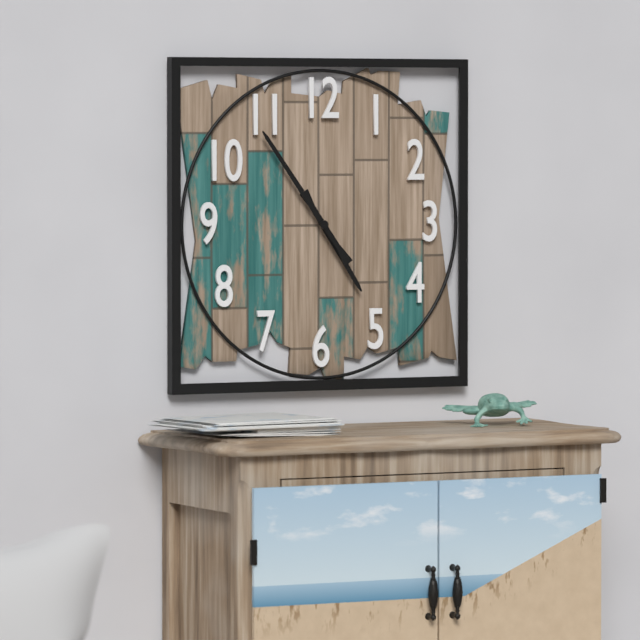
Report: {"hour": 4, "minute": 54}
